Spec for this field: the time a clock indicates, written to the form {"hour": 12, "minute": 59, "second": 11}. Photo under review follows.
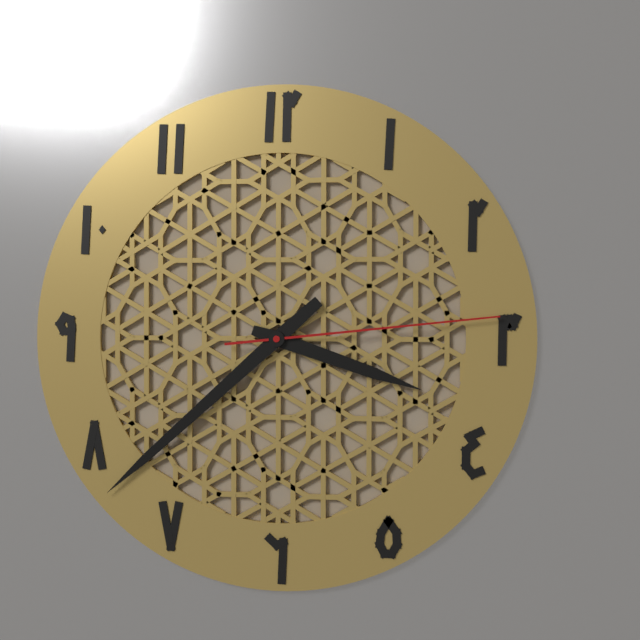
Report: {"hour": 3, "minute": 38, "second": 14}
